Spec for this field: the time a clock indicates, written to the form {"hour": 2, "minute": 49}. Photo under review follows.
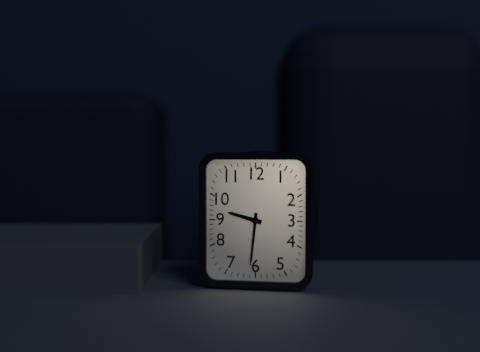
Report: {"hour": 9, "minute": 31}
